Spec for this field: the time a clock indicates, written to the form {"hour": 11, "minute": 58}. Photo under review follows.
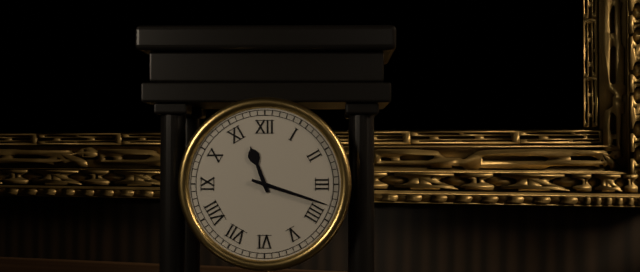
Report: {"hour": 11, "minute": 18}
